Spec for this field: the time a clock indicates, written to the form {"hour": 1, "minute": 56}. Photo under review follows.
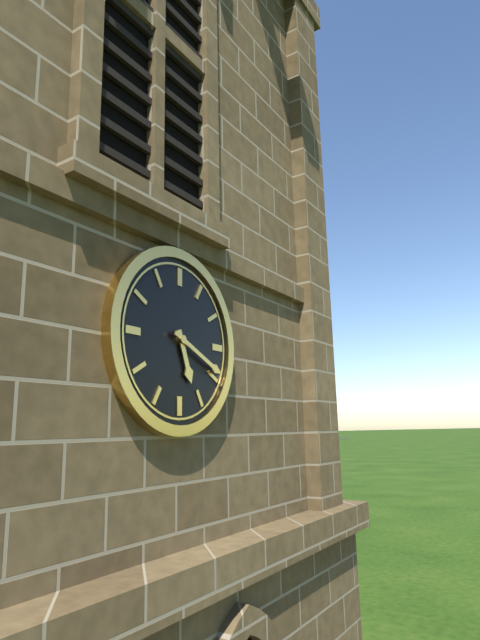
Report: {"hour": 5, "minute": 19}
